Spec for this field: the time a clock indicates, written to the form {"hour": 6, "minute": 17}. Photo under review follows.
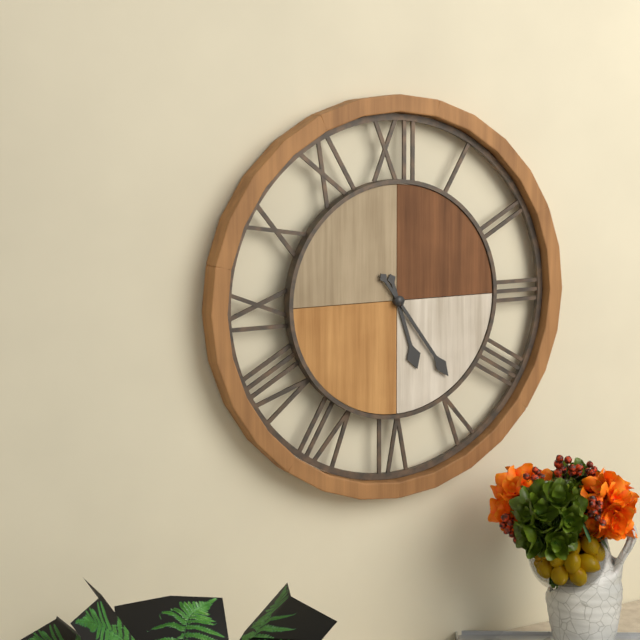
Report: {"hour": 5, "minute": 24}
